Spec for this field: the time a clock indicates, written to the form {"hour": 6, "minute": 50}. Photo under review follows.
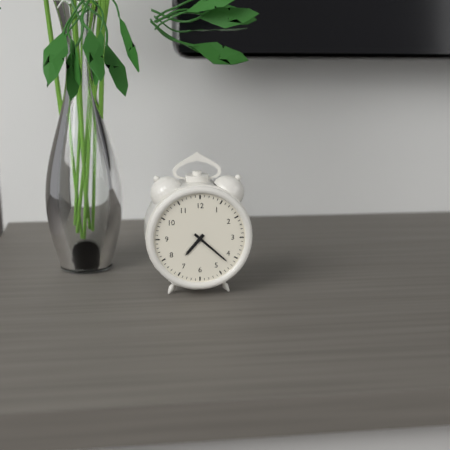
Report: {"hour": 7, "minute": 22}
